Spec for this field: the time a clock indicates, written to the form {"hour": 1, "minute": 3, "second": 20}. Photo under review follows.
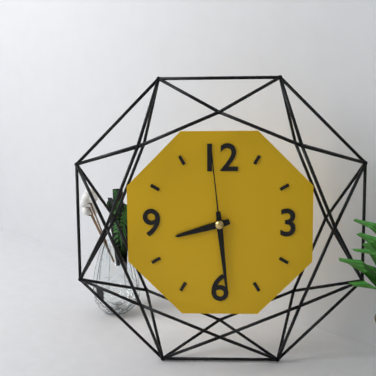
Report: {"hour": 8, "minute": 29, "second": 59}
